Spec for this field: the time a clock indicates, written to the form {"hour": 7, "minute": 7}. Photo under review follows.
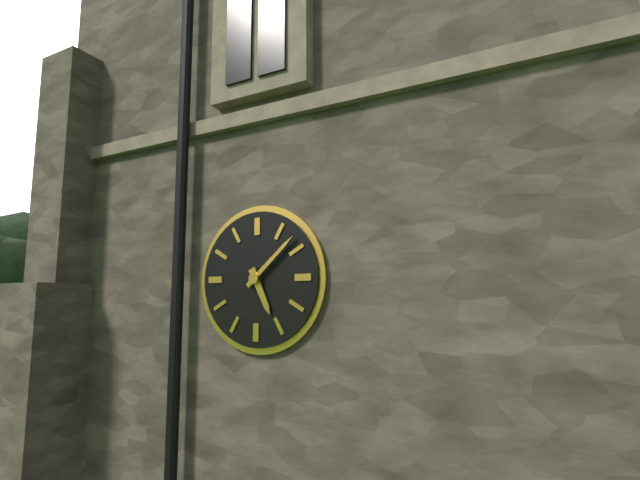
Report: {"hour": 5, "minute": 8}
